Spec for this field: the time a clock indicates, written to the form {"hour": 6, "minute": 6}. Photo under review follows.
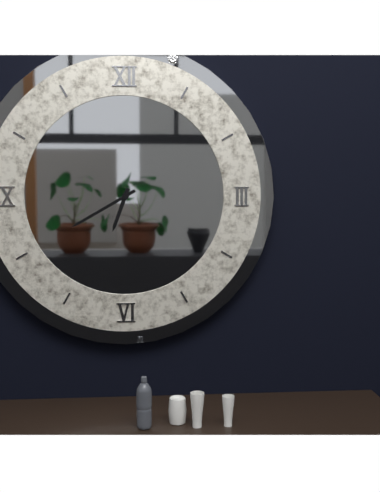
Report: {"hour": 6, "minute": 40}
